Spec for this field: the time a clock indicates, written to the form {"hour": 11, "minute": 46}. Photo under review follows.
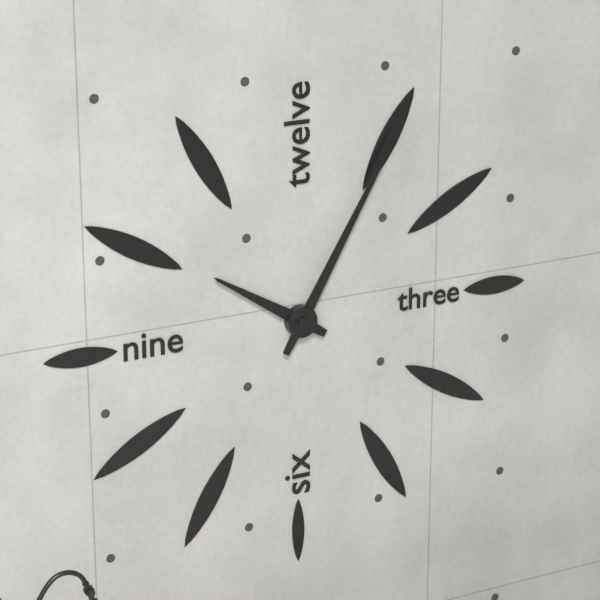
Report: {"hour": 10, "minute": 5}
